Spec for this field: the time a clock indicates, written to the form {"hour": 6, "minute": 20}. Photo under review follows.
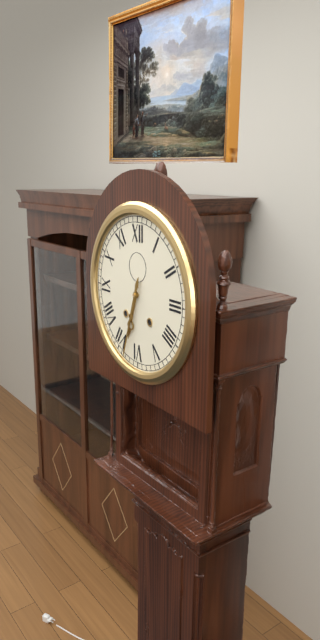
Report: {"hour": 6, "minute": 33}
